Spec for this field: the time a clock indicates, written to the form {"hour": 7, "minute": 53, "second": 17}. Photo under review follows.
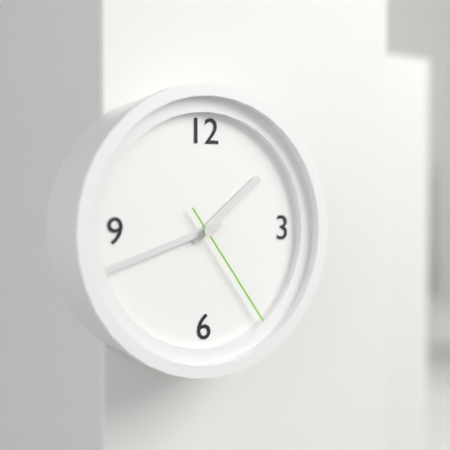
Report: {"hour": 1, "minute": 42, "second": 24}
